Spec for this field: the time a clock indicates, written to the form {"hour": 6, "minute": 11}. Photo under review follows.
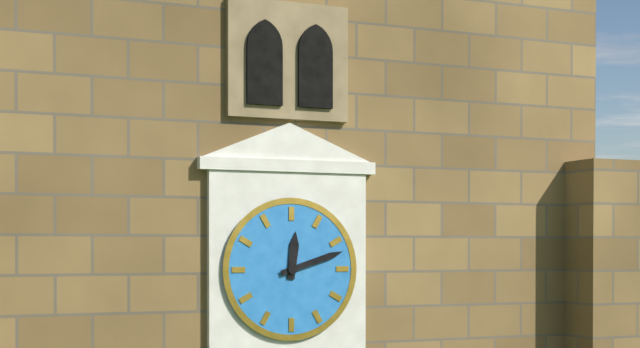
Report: {"hour": 12, "minute": 12}
